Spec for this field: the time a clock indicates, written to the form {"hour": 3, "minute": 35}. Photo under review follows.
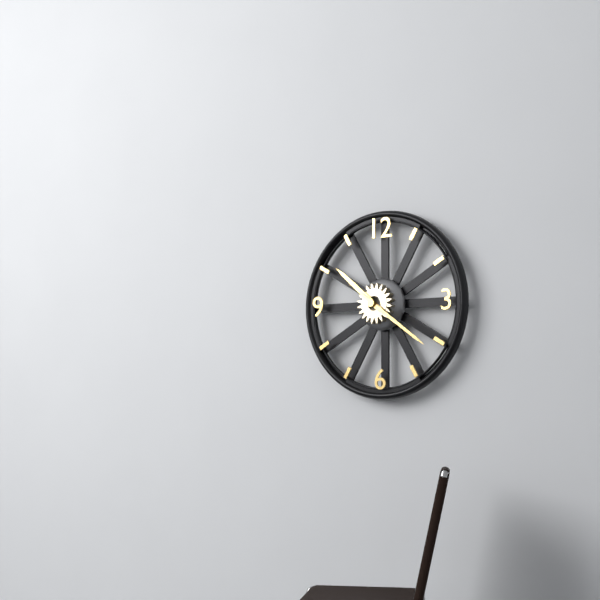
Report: {"hour": 10, "minute": 21}
